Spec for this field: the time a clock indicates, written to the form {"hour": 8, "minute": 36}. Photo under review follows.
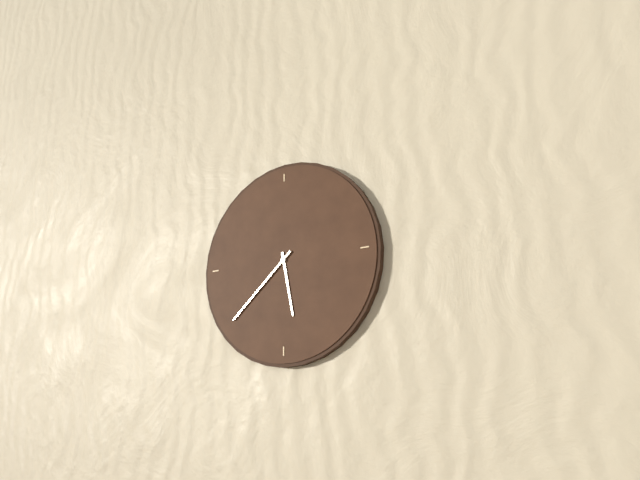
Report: {"hour": 5, "minute": 38}
